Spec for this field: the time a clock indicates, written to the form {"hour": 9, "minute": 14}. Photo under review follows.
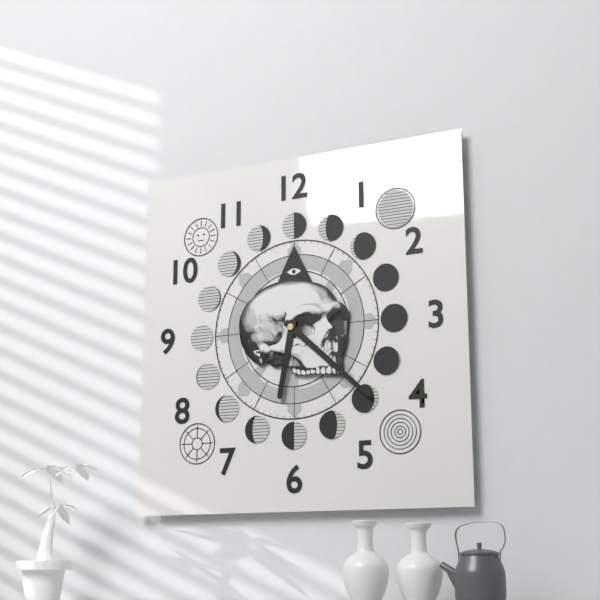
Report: {"hour": 6, "minute": 22}
